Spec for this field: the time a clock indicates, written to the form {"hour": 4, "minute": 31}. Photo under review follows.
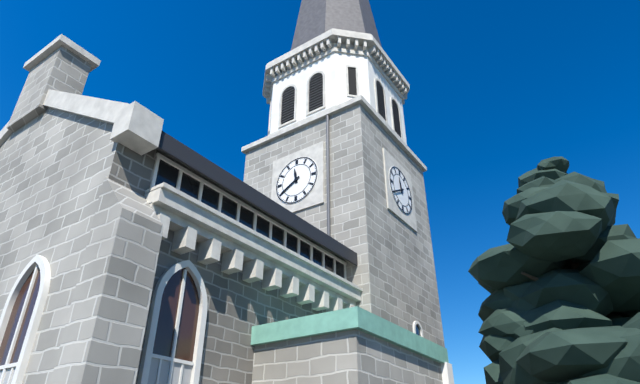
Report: {"hour": 11, "minute": 40}
